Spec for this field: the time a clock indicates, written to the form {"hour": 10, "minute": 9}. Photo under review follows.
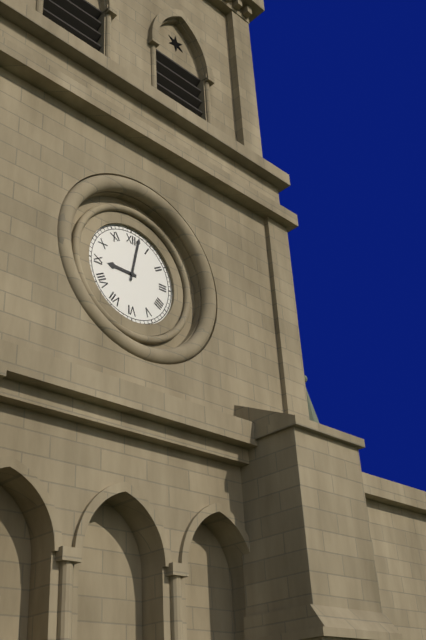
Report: {"hour": 9, "minute": 2}
